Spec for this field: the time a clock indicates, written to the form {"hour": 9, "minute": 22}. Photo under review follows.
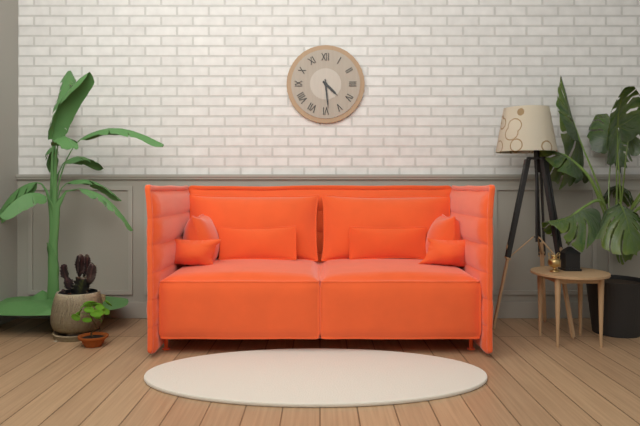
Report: {"hour": 4, "minute": 29}
